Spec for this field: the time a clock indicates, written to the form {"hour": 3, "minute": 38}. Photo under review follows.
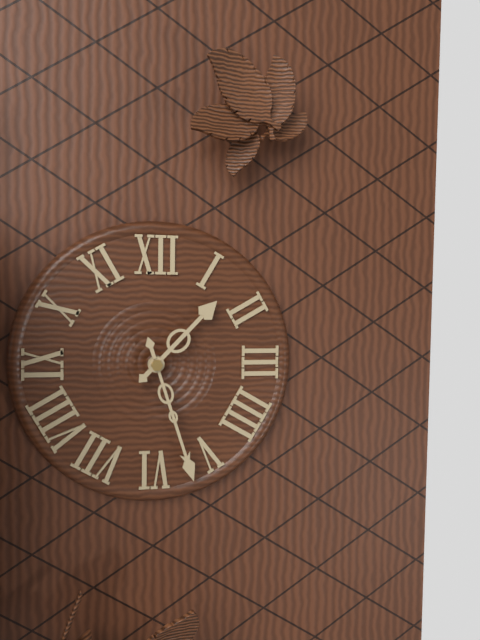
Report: {"hour": 1, "minute": 27}
